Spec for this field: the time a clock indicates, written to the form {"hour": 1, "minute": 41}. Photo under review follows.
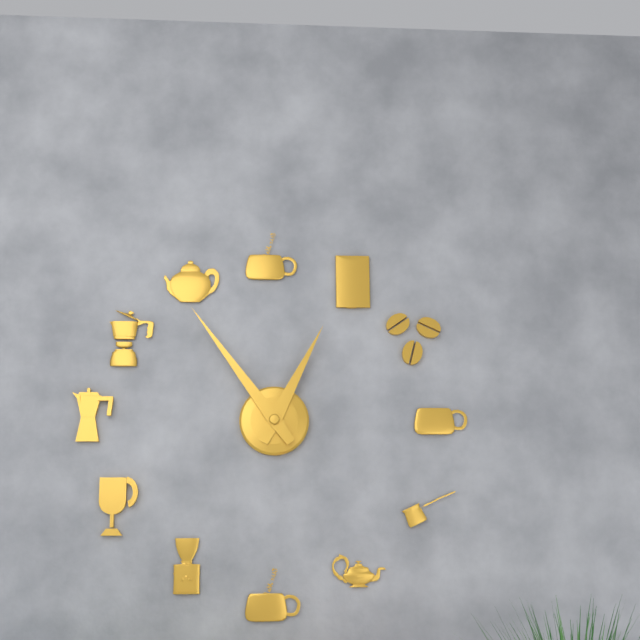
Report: {"hour": 12, "minute": 54}
